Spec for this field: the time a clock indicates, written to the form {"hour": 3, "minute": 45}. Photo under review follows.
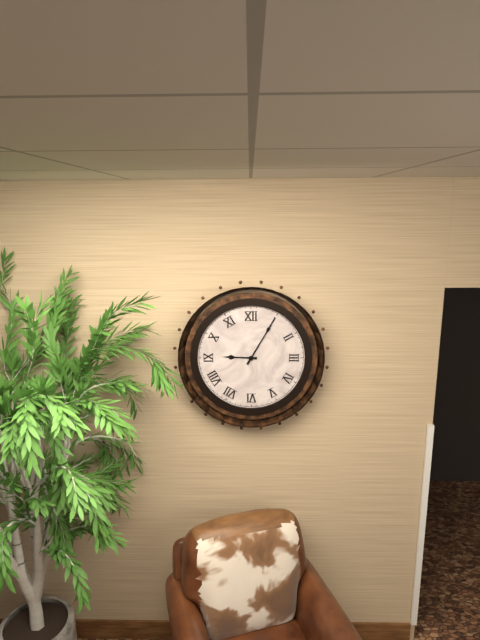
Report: {"hour": 9, "minute": 5}
